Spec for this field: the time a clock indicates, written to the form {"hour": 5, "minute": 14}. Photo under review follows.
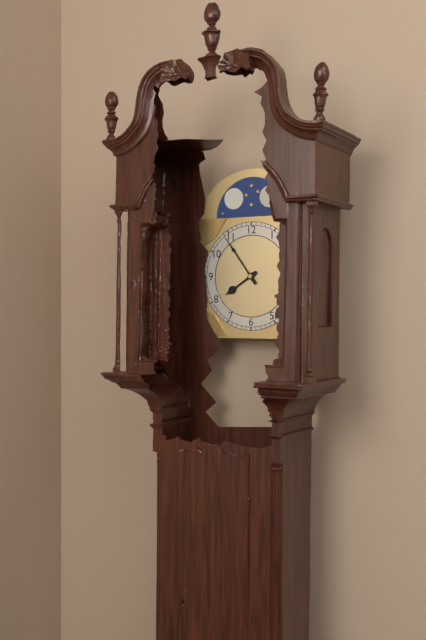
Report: {"hour": 7, "minute": 54}
